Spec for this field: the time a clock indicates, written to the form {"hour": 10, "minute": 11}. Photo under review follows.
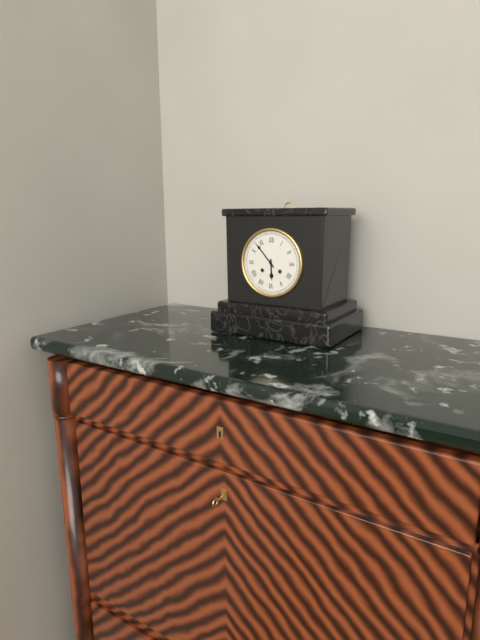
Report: {"hour": 5, "minute": 53}
